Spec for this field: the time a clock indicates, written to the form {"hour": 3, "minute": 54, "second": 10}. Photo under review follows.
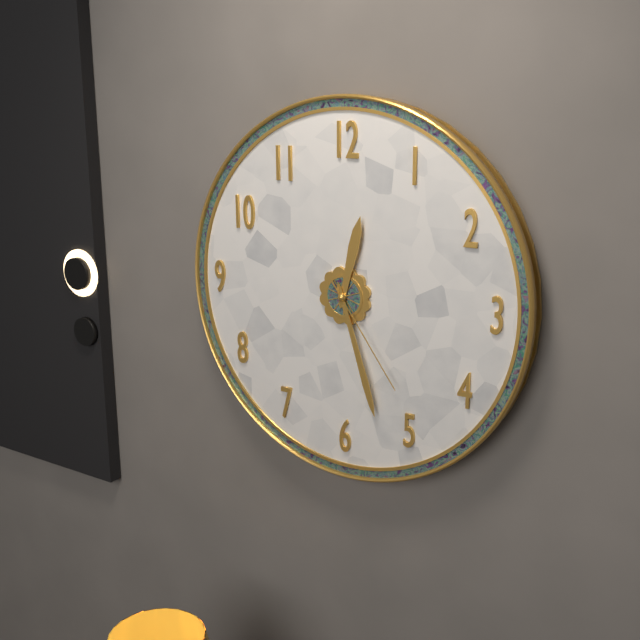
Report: {"hour": 12, "minute": 27, "second": 24}
